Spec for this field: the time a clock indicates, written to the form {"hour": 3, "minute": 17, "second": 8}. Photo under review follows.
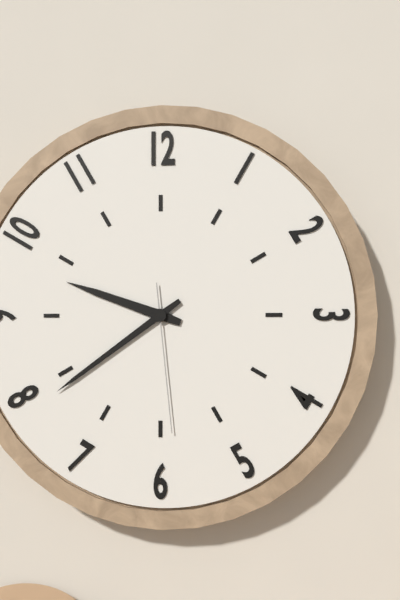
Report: {"hour": 9, "minute": 39, "second": 29}
